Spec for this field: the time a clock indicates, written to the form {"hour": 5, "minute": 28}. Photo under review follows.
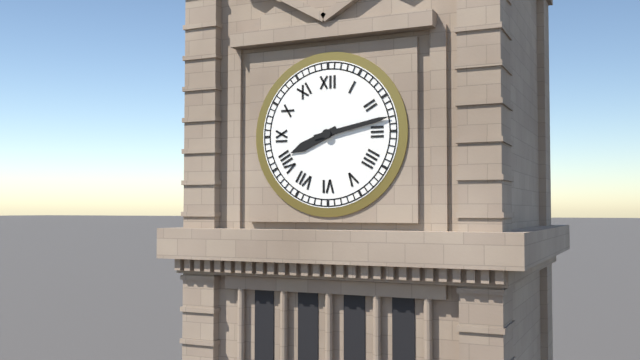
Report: {"hour": 8, "minute": 13}
